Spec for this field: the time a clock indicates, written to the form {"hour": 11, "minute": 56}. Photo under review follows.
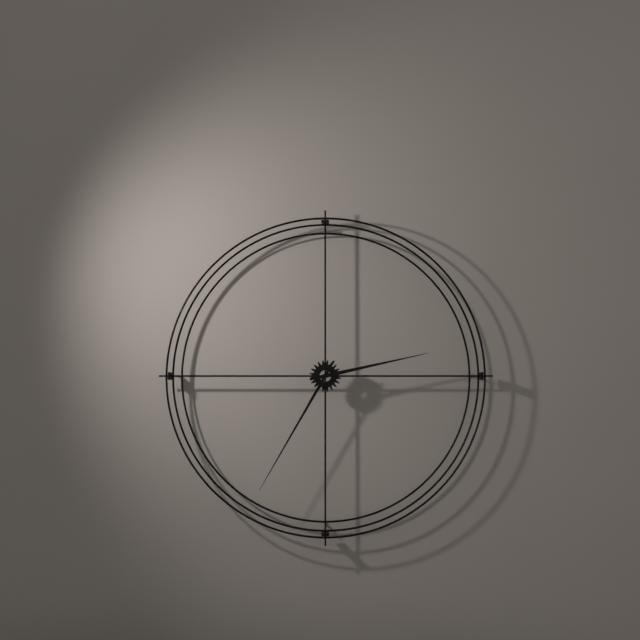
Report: {"hour": 2, "minute": 35}
